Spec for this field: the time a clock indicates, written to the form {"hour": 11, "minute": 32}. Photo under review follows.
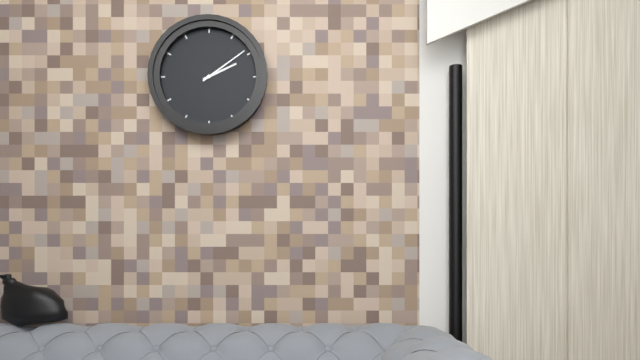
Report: {"hour": 2, "minute": 9}
